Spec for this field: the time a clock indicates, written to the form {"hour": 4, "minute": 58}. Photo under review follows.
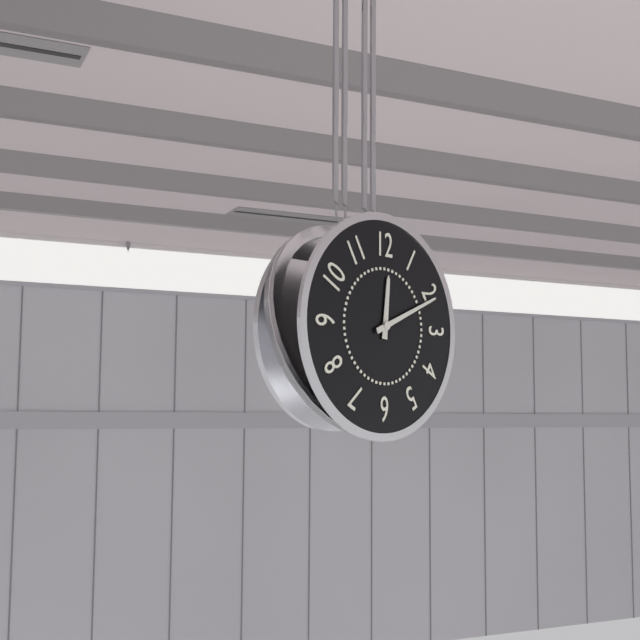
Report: {"hour": 12, "minute": 11}
